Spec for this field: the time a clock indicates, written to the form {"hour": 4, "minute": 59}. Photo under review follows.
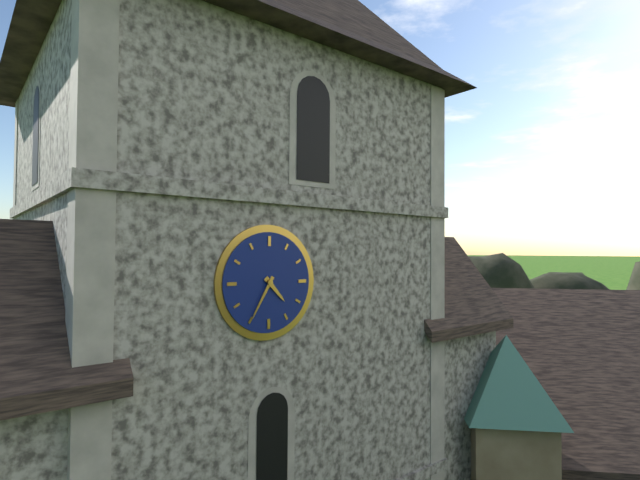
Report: {"hour": 4, "minute": 35}
